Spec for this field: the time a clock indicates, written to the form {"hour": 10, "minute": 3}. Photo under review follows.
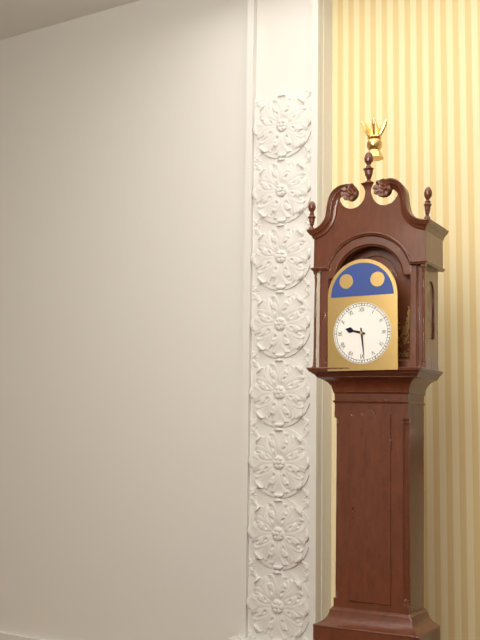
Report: {"hour": 9, "minute": 29}
